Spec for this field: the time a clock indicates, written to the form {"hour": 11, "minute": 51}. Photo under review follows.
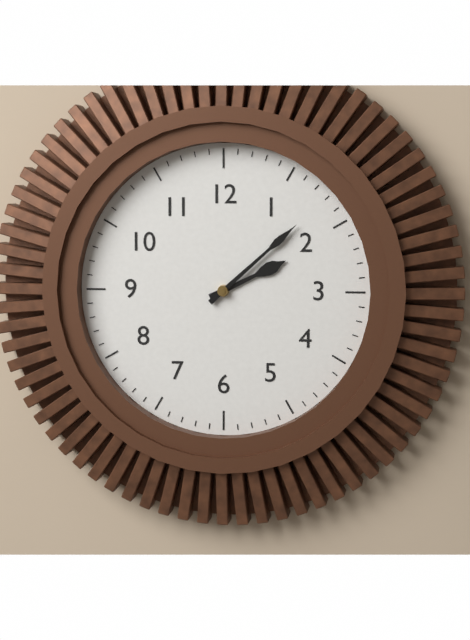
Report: {"hour": 2, "minute": 8}
